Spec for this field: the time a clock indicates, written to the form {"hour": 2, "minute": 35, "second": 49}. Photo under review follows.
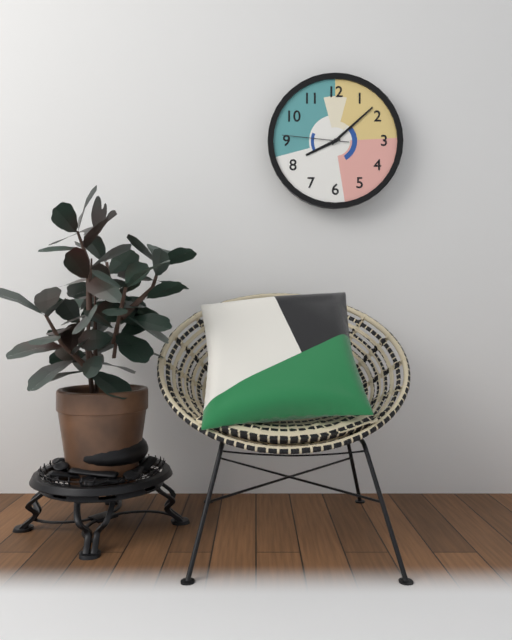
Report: {"hour": 8, "minute": 8, "second": 46}
